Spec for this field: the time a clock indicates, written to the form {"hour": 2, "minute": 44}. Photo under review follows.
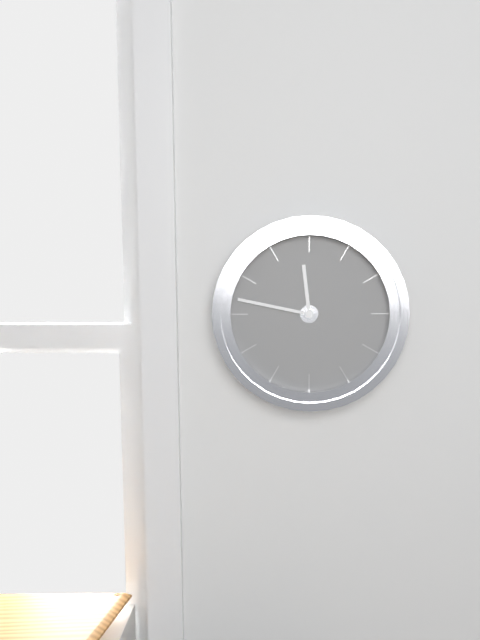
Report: {"hour": 11, "minute": 47}
